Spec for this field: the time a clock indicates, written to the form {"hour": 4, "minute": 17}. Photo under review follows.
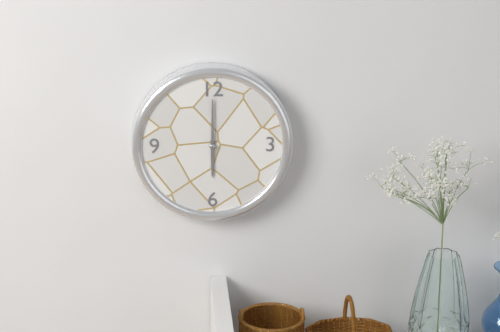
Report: {"hour": 6, "minute": 0}
